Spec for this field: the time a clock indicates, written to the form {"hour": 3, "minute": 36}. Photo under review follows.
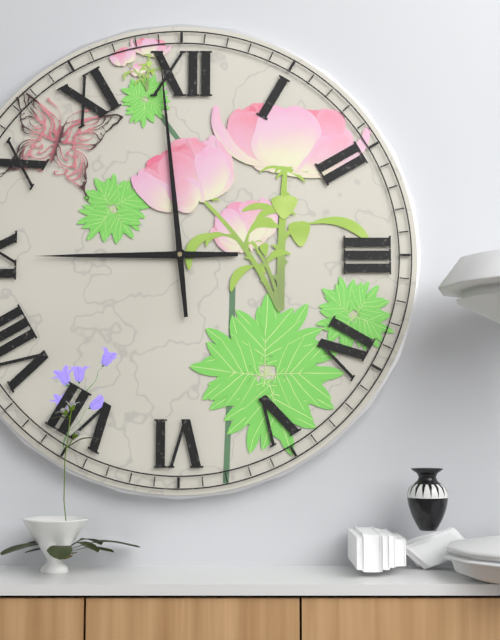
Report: {"hour": 8, "minute": 59}
